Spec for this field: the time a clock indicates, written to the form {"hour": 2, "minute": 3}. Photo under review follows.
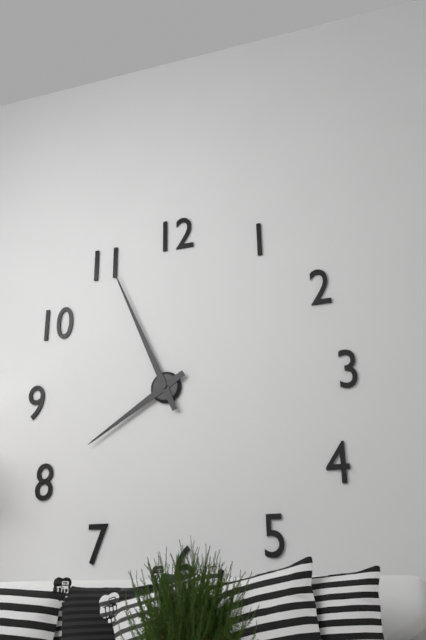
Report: {"hour": 7, "minute": 56}
